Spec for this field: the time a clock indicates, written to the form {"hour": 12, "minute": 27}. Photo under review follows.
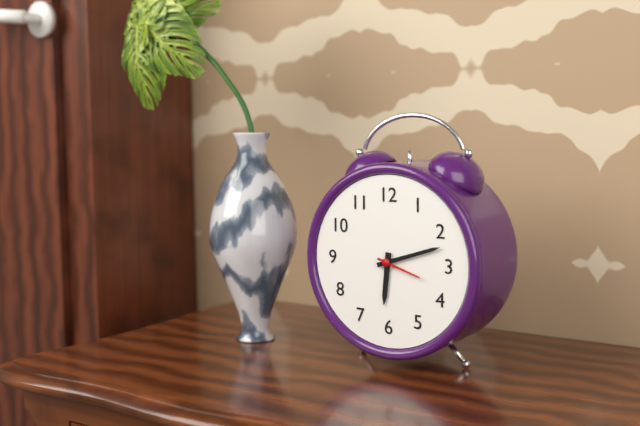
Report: {"hour": 6, "minute": 12}
